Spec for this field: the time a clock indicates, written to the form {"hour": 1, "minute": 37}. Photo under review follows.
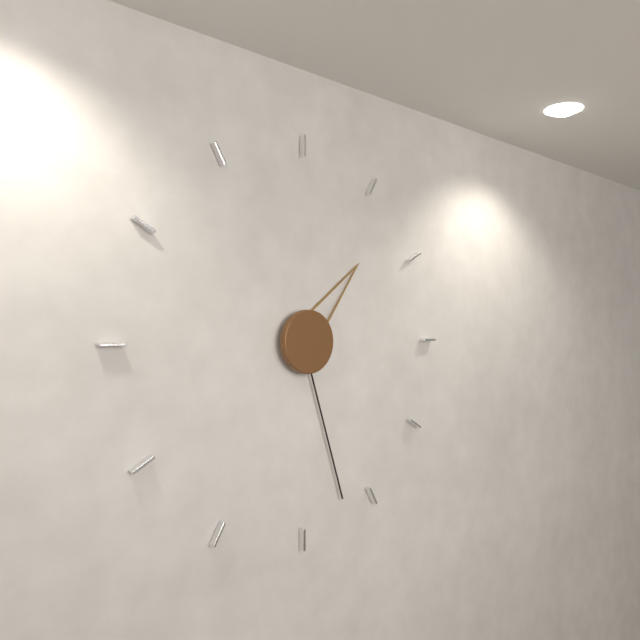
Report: {"hour": 1, "minute": 27}
